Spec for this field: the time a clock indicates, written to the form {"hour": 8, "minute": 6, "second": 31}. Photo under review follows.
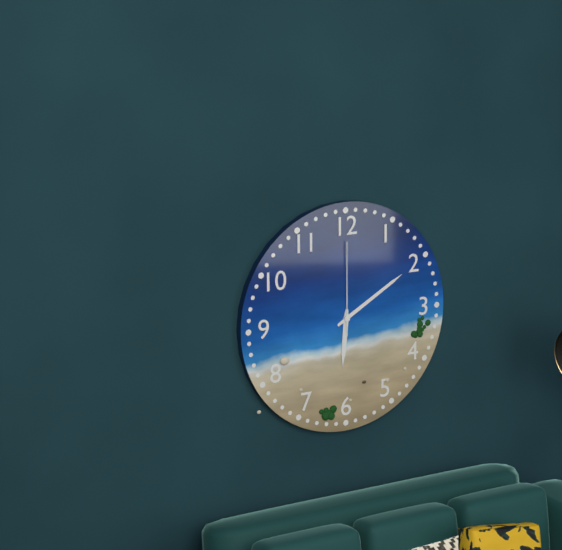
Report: {"hour": 6, "minute": 10, "second": 0}
